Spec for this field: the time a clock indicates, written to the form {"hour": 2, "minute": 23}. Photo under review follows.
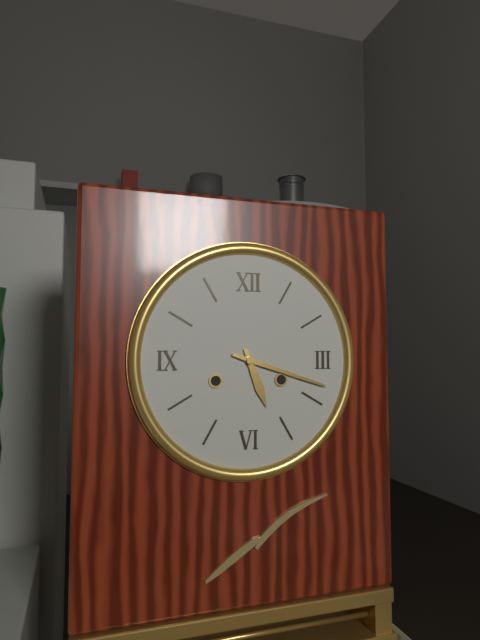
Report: {"hour": 5, "minute": 18}
